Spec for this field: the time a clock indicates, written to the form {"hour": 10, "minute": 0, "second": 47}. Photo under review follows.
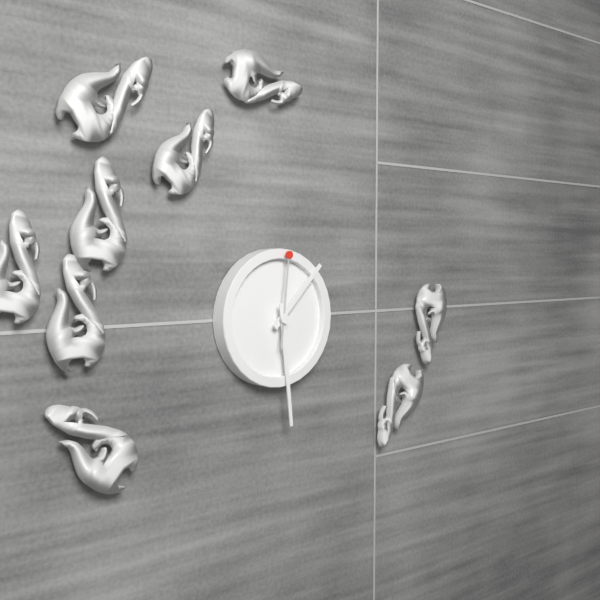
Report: {"hour": 1, "minute": 29, "second": 1}
